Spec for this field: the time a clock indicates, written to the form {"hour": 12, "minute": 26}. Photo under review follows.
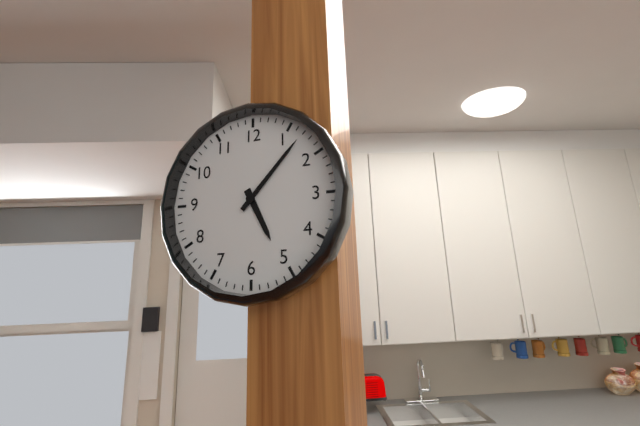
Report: {"hour": 5, "minute": 7}
